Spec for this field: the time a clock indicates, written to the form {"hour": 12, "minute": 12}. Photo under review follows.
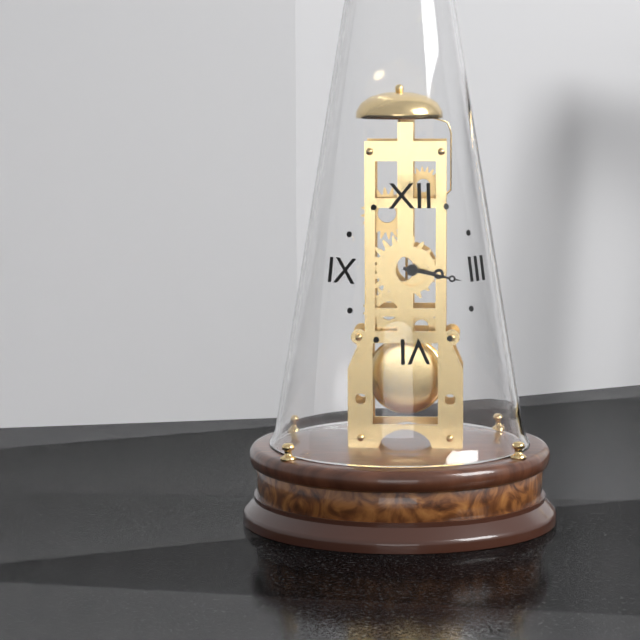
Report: {"hour": 3, "minute": 17}
